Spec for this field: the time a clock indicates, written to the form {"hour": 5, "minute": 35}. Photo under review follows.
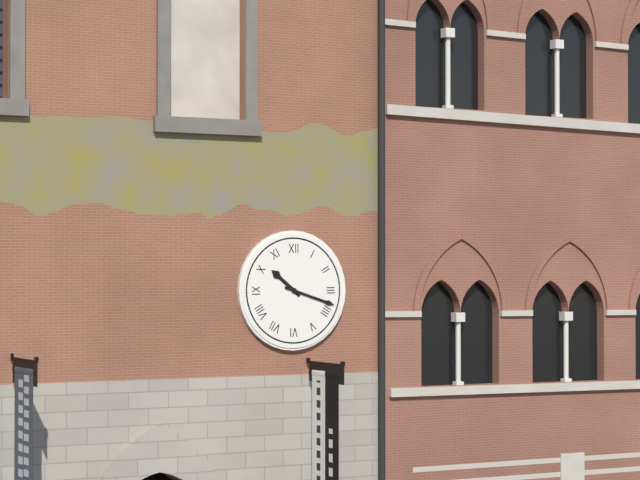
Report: {"hour": 10, "minute": 18}
